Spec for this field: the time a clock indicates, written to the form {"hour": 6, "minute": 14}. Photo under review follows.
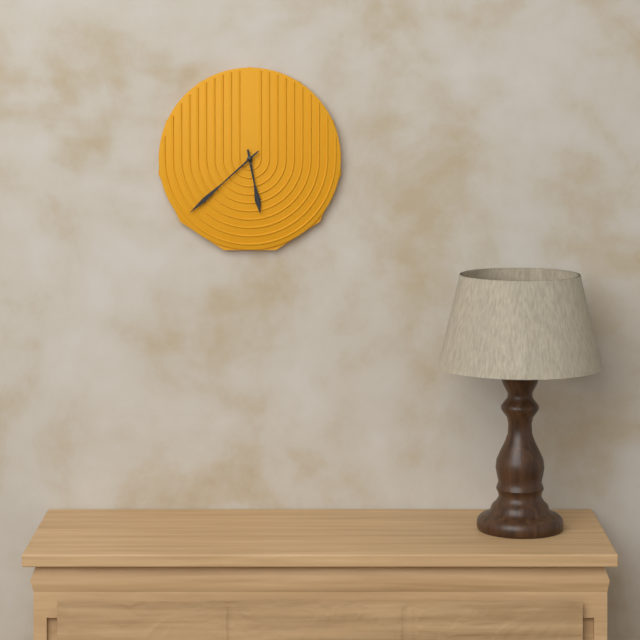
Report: {"hour": 5, "minute": 38}
